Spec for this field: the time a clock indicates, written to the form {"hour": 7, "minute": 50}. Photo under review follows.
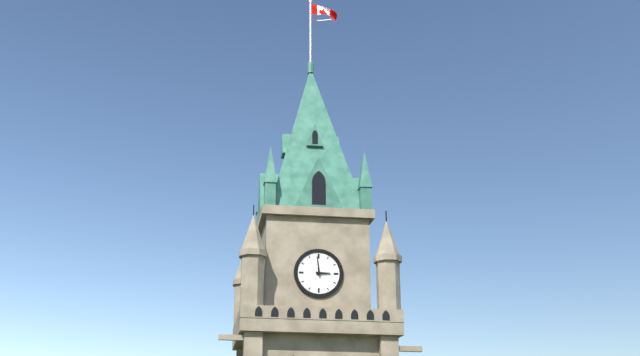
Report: {"hour": 2, "minute": 59}
